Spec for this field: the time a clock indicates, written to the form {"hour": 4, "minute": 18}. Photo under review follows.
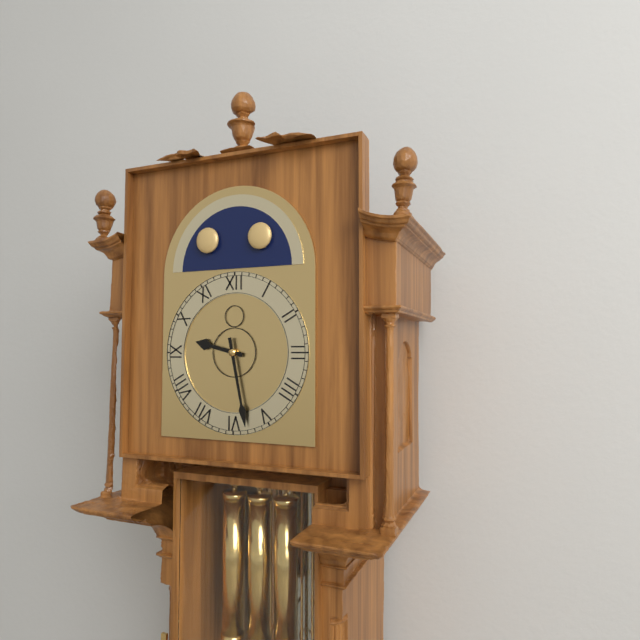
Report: {"hour": 9, "minute": 28}
